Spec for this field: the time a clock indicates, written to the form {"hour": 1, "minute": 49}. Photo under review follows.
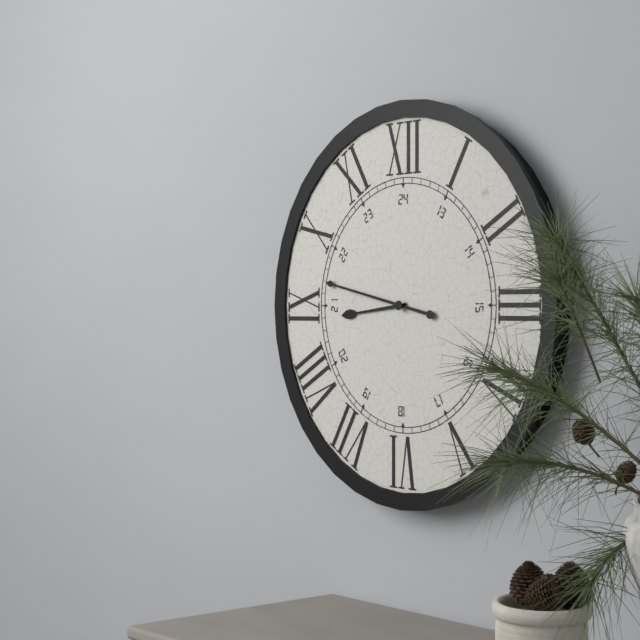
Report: {"hour": 8, "minute": 47}
